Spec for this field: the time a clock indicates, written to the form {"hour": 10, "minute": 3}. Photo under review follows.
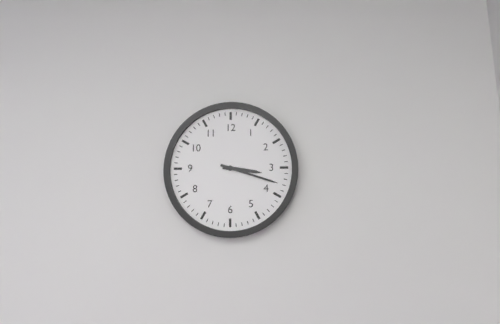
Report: {"hour": 3, "minute": 18}
